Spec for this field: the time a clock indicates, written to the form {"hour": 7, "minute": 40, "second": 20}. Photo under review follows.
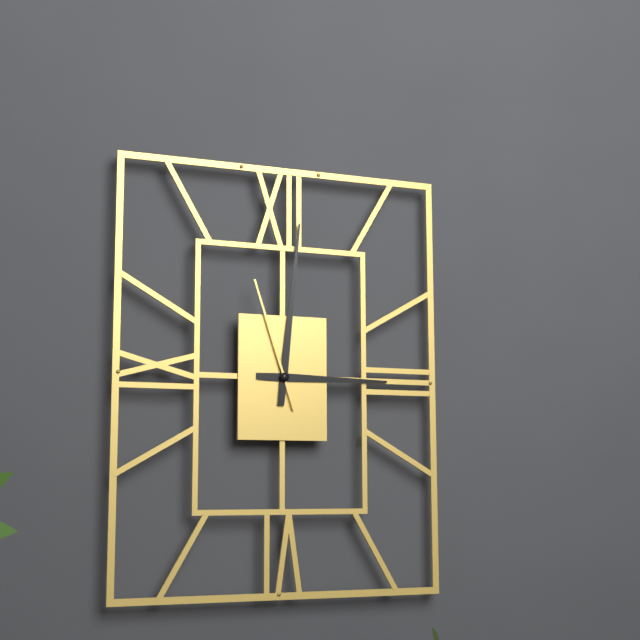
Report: {"hour": 3, "minute": 1, "second": 57}
